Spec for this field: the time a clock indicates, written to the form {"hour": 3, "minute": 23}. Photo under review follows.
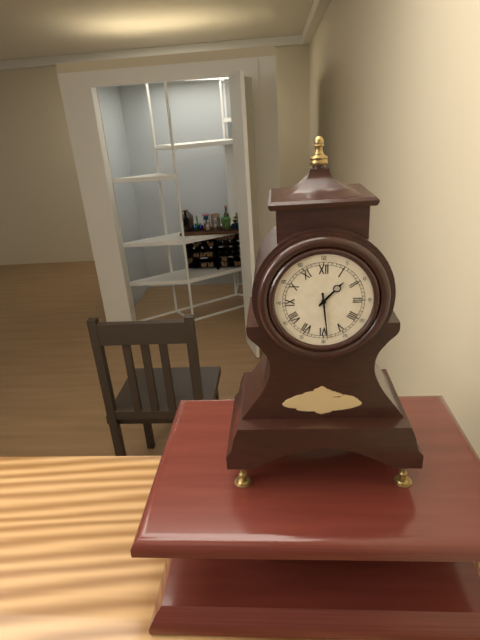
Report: {"hour": 1, "minute": 29}
